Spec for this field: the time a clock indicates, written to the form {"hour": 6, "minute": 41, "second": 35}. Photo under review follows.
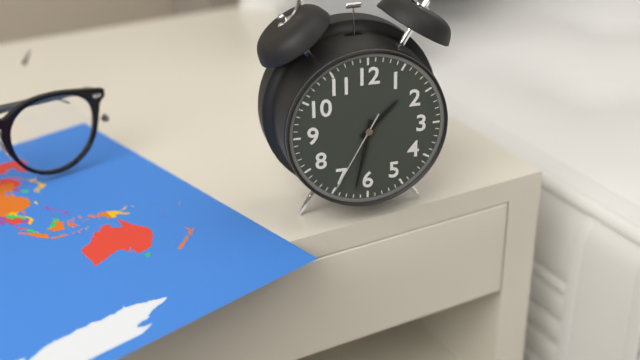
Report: {"hour": 1, "minute": 32, "second": 35}
